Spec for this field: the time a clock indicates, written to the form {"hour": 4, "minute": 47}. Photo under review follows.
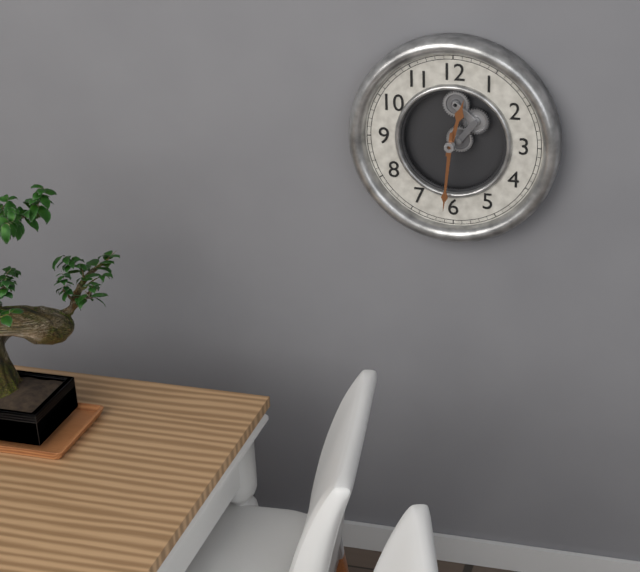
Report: {"hour": 12, "minute": 31}
